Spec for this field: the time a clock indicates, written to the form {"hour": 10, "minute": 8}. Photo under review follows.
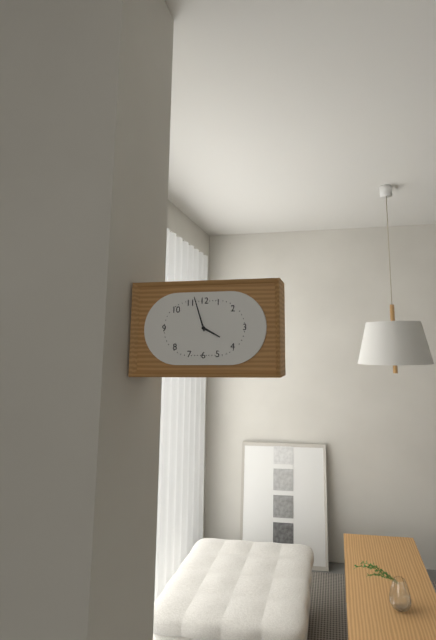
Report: {"hour": 3, "minute": 57}
